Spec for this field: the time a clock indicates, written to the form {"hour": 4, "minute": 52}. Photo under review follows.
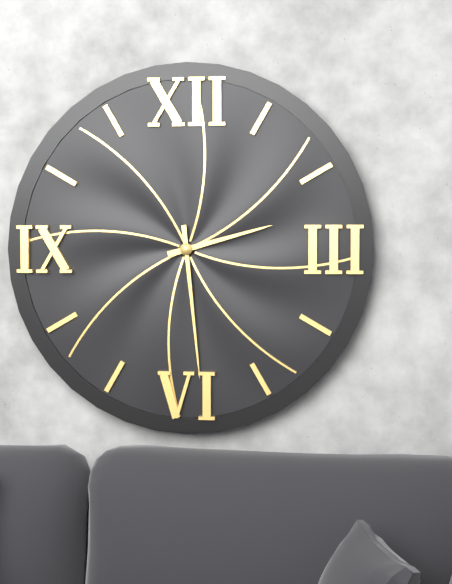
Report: {"hour": 2, "minute": 29}
